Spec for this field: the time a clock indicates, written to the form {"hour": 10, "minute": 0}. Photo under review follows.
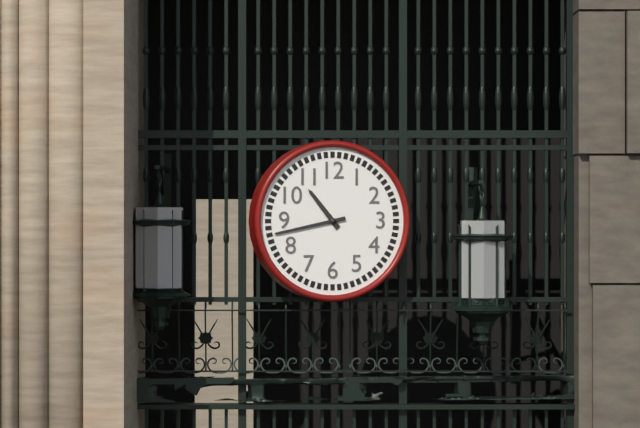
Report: {"hour": 10, "minute": 43}
